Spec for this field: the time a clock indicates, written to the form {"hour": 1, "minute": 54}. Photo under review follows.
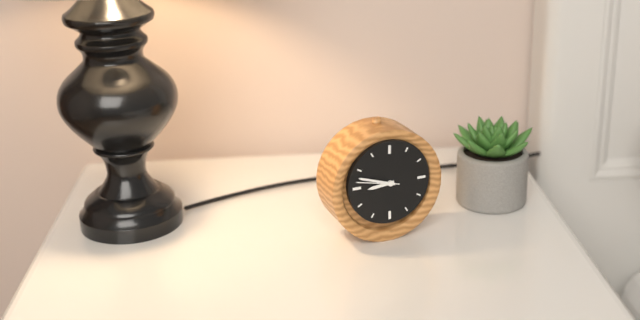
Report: {"hour": 8, "minute": 48}
